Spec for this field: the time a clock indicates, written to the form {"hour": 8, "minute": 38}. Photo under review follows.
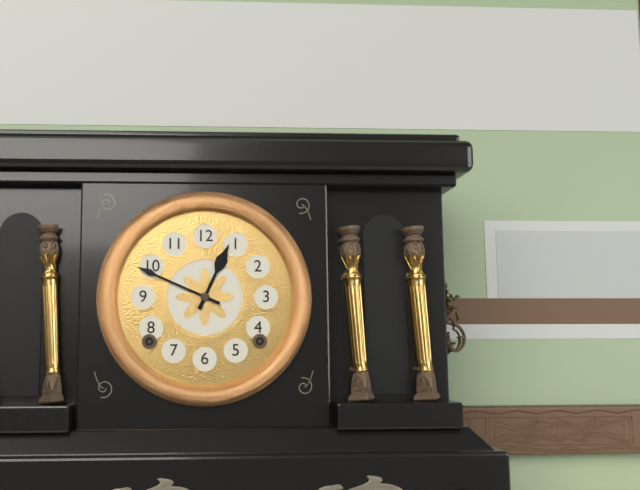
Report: {"hour": 12, "minute": 49}
